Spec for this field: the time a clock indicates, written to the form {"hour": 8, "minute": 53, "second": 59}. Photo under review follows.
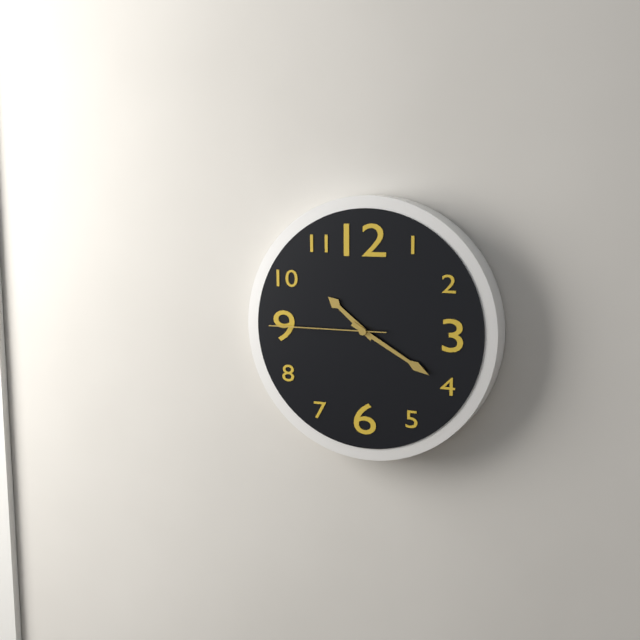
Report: {"hour": 10, "minute": 20, "second": 45}
